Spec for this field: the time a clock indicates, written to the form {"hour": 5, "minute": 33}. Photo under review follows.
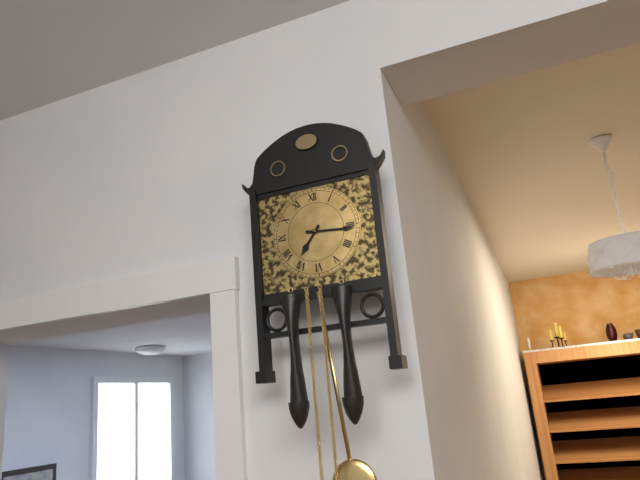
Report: {"hour": 7, "minute": 16}
